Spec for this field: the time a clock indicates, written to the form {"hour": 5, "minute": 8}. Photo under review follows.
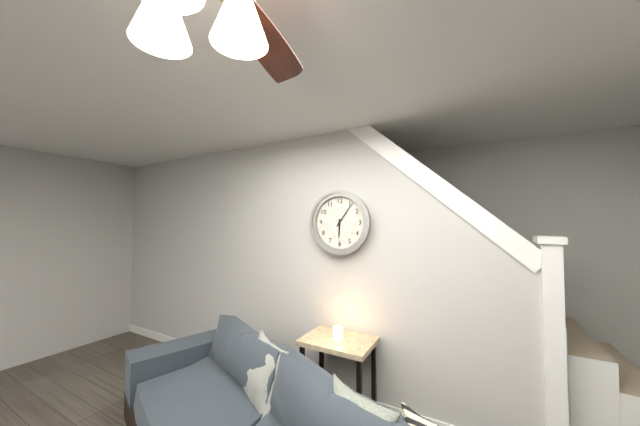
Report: {"hour": 6, "minute": 6}
